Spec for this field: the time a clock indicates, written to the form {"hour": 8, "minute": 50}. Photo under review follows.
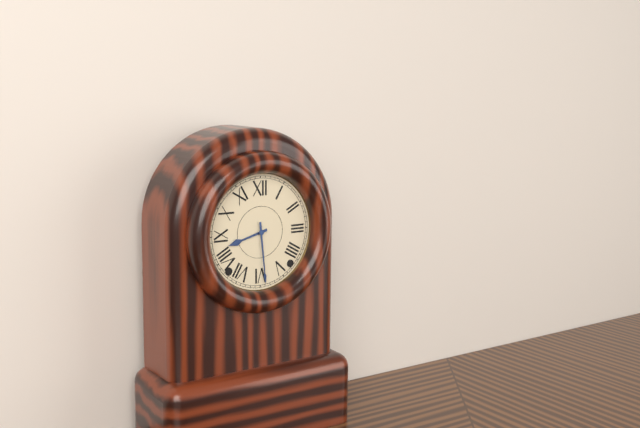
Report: {"hour": 8, "minute": 29}
